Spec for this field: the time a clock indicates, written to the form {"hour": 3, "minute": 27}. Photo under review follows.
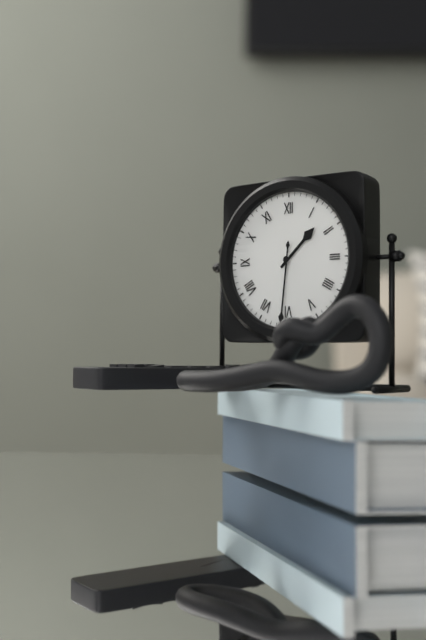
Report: {"hour": 1, "minute": 31}
